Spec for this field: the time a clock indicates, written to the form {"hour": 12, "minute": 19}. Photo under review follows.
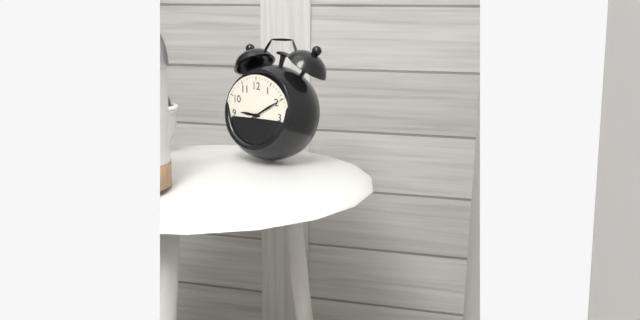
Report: {"hour": 9, "minute": 10}
